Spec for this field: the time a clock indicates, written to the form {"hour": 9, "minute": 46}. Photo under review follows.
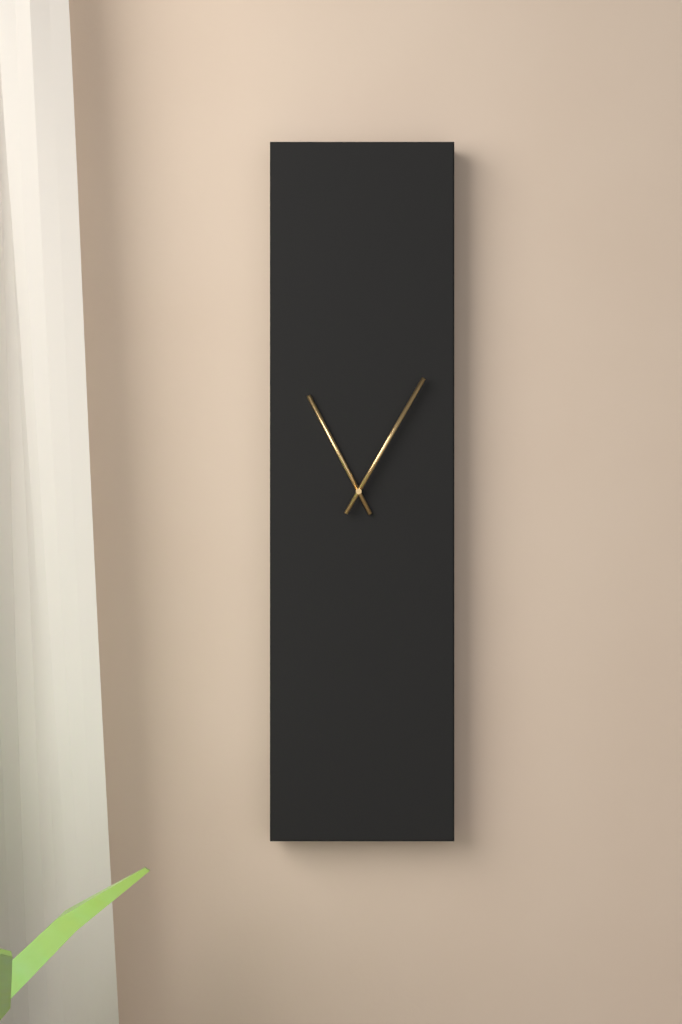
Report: {"hour": 11, "minute": 5}
